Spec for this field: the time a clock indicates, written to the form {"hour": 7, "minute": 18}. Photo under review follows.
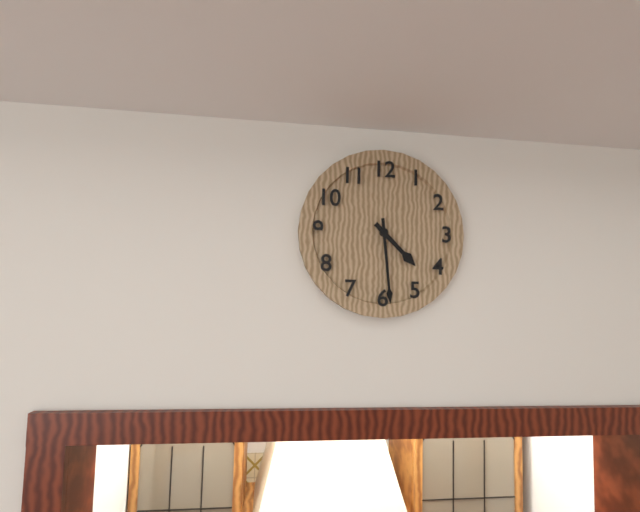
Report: {"hour": 4, "minute": 29}
